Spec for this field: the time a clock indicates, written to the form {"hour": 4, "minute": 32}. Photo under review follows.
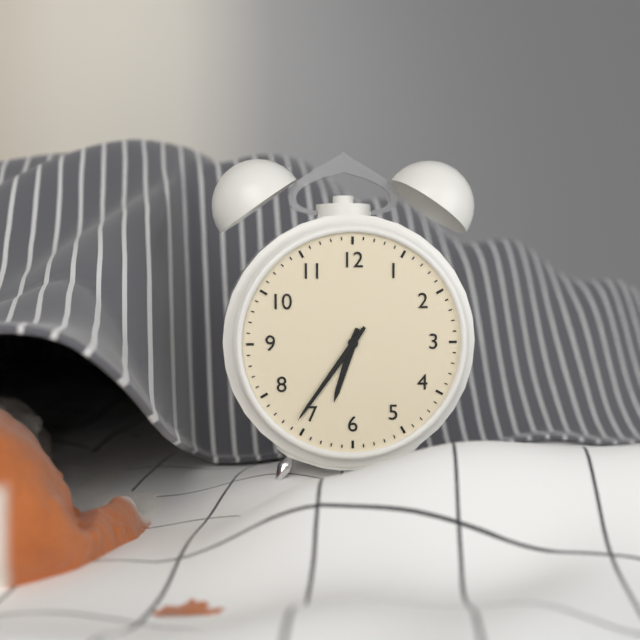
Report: {"hour": 6, "minute": 36}
